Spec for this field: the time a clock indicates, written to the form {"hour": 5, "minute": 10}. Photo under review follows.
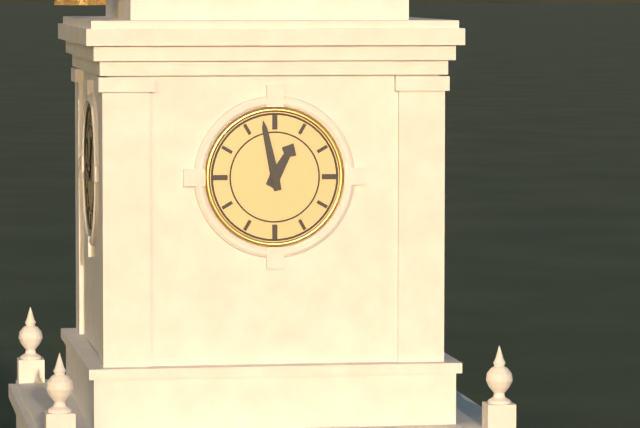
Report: {"hour": 12, "minute": 58}
